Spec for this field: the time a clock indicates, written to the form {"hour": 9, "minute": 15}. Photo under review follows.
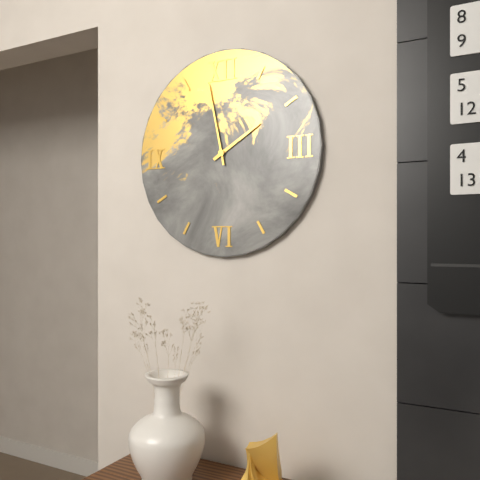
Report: {"hour": 1, "minute": 58}
